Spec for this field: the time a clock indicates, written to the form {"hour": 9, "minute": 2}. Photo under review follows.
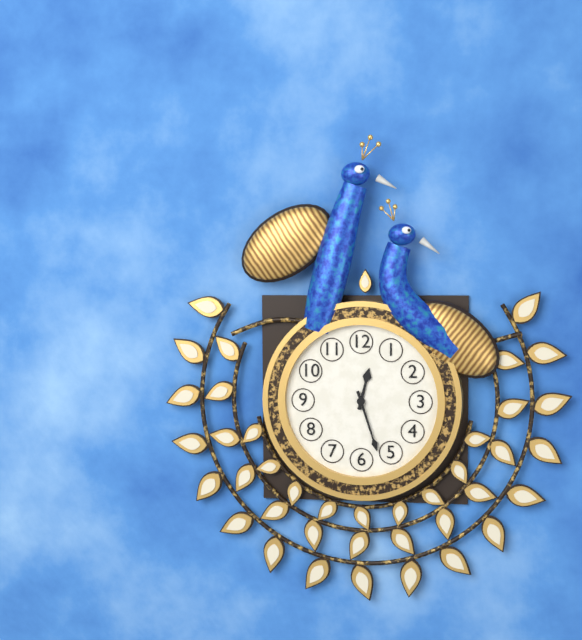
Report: {"hour": 12, "minute": 27}
